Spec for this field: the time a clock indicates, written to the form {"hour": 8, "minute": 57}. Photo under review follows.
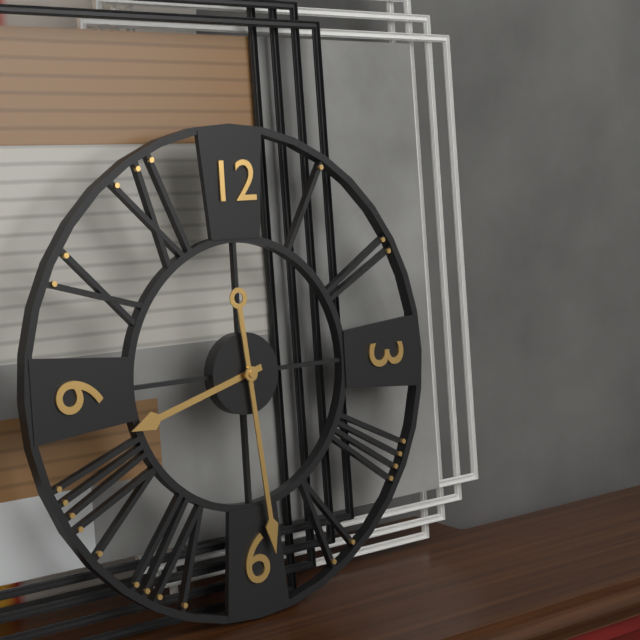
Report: {"hour": 8, "minute": 29}
